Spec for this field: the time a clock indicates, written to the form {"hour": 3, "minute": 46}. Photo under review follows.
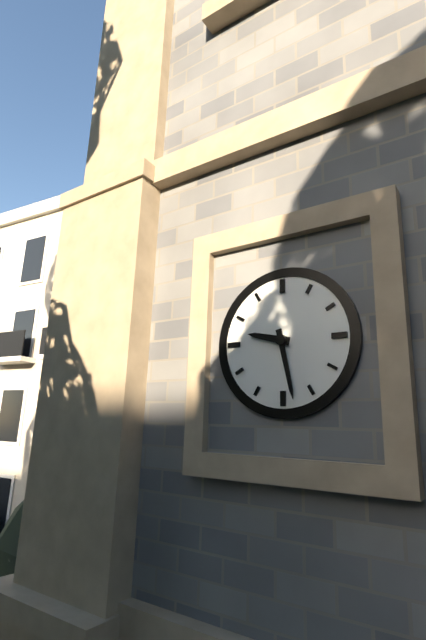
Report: {"hour": 9, "minute": 28}
